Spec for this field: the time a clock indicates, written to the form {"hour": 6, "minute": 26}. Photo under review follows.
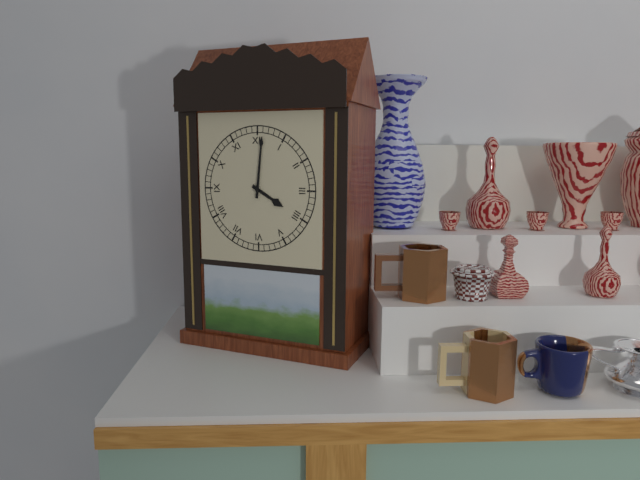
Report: {"hour": 4, "minute": 1}
